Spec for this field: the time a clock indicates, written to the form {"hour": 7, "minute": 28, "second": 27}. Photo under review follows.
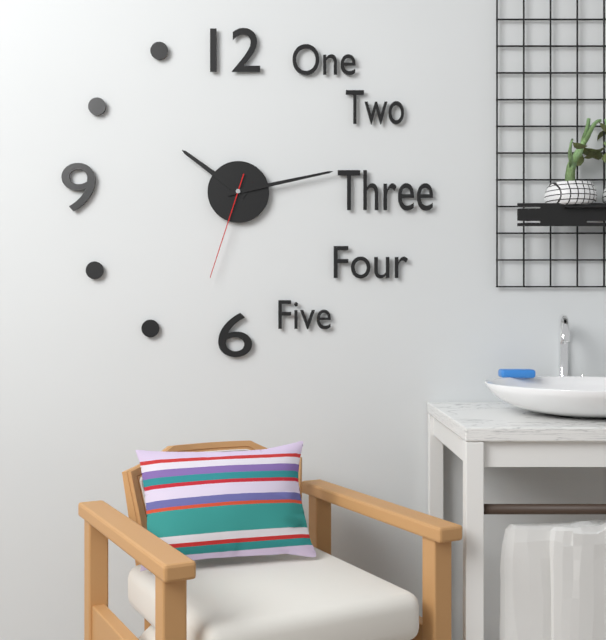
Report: {"hour": 10, "minute": 13, "second": 33}
